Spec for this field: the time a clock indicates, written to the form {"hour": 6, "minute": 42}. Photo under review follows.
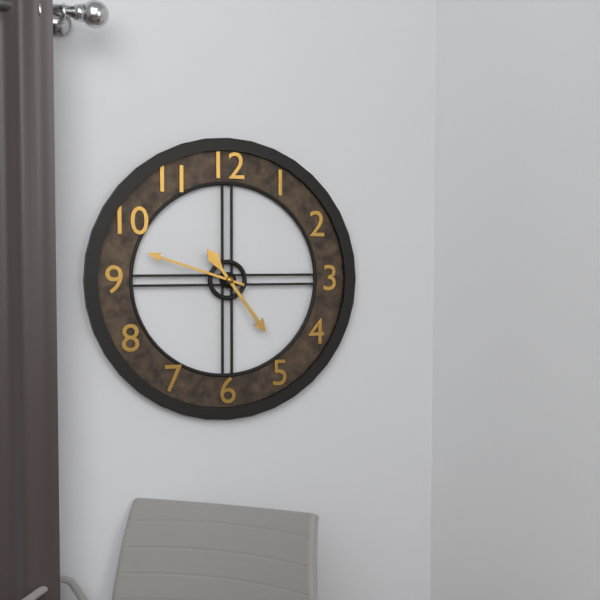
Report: {"hour": 4, "minute": 48}
